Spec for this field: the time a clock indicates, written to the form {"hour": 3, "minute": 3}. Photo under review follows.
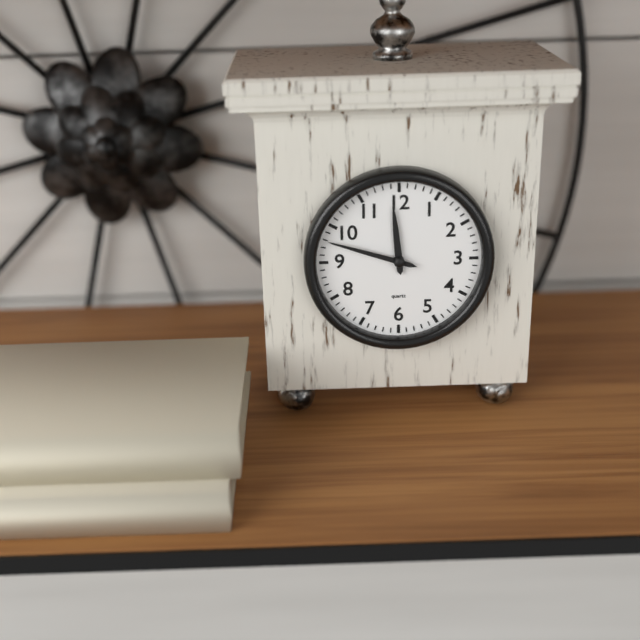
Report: {"hour": 11, "minute": 48}
